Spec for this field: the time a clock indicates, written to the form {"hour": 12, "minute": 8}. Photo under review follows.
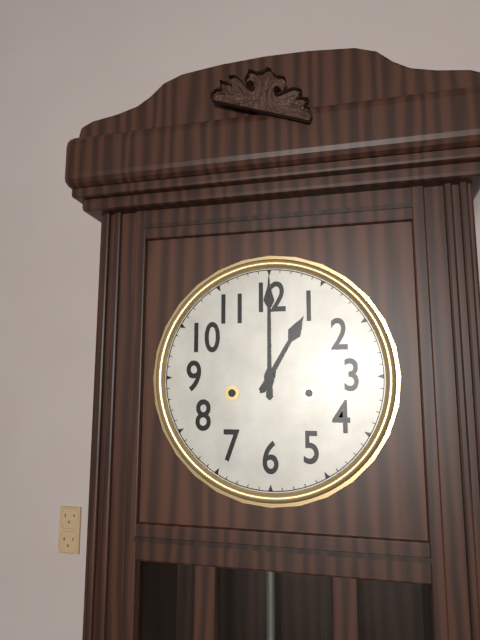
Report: {"hour": 1, "minute": 0}
